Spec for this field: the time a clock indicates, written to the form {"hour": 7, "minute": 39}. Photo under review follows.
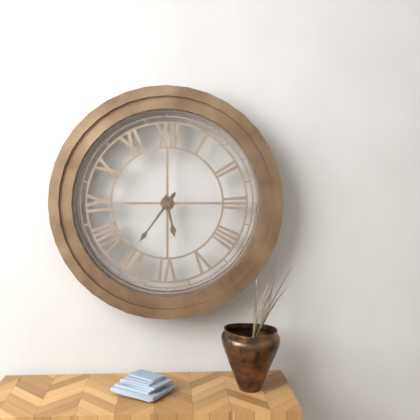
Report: {"hour": 5, "minute": 36}
